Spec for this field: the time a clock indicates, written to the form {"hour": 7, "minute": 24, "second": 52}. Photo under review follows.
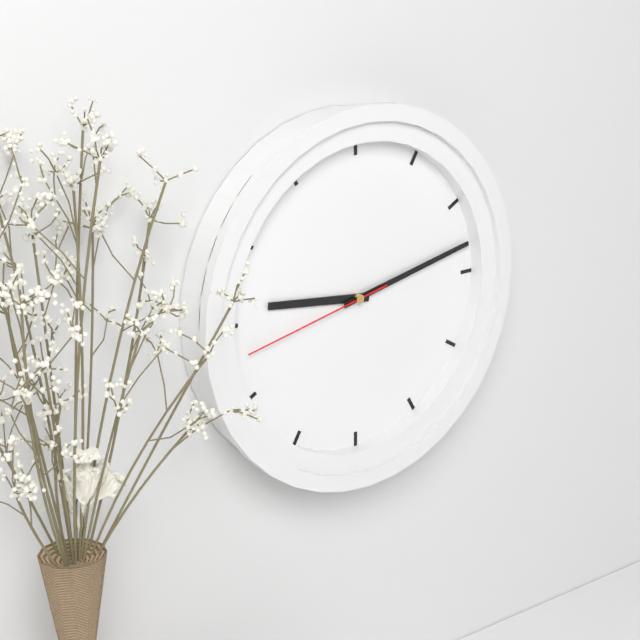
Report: {"hour": 9, "minute": 13, "second": 43}
